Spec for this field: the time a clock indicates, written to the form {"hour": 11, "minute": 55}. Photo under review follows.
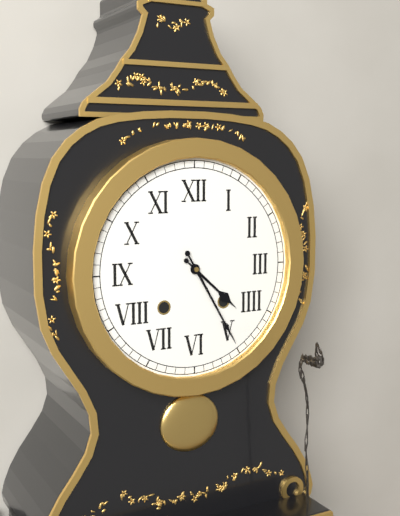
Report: {"hour": 4, "minute": 25}
